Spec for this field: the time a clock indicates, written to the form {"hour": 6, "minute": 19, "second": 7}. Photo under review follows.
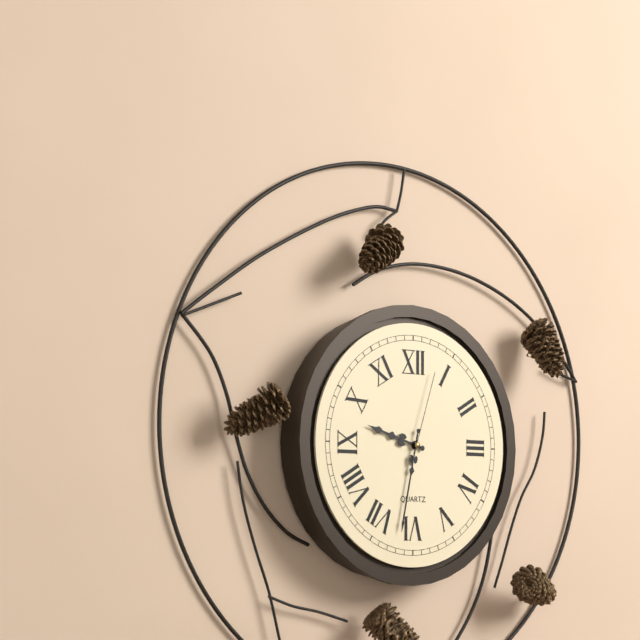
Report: {"hour": 9, "minute": 32, "second": 3}
